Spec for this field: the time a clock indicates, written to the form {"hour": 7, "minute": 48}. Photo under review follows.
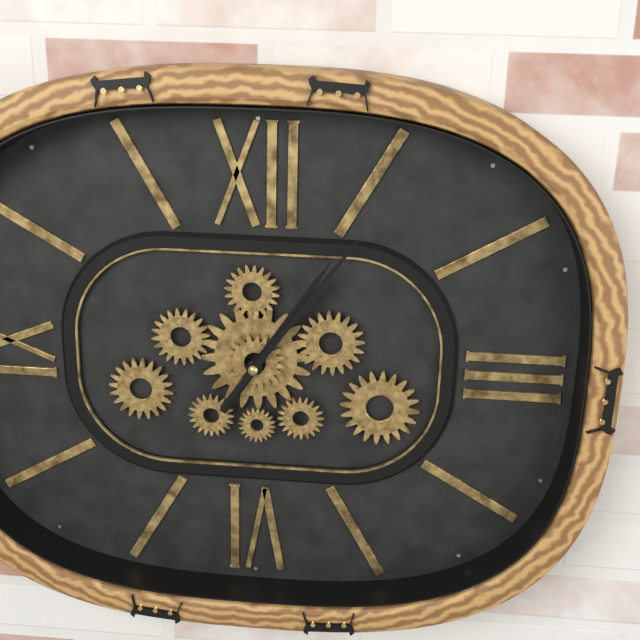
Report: {"hour": 1, "minute": 6}
